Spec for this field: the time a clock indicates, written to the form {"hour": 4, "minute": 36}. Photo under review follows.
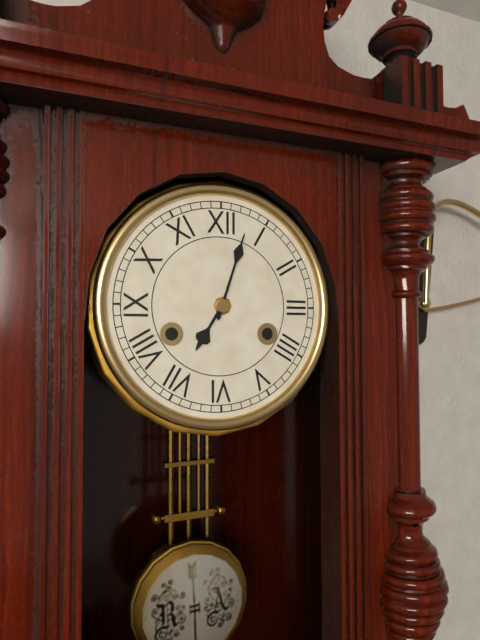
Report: {"hour": 7, "minute": 3}
